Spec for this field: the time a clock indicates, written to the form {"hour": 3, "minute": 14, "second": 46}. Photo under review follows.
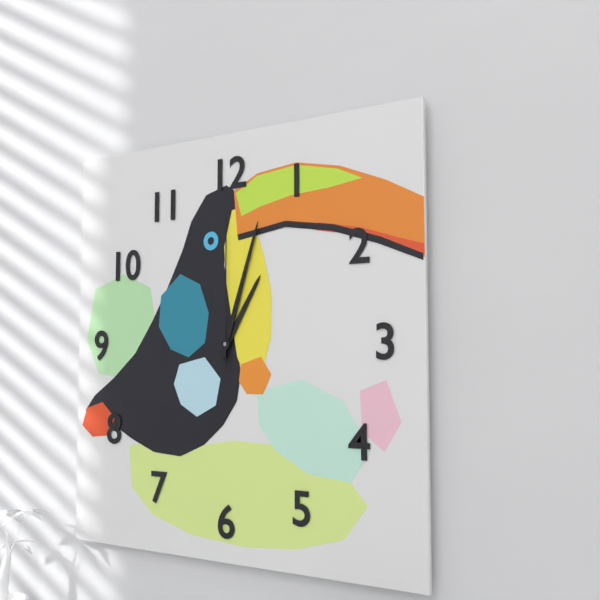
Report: {"hour": 1, "minute": 3, "second": 0}
